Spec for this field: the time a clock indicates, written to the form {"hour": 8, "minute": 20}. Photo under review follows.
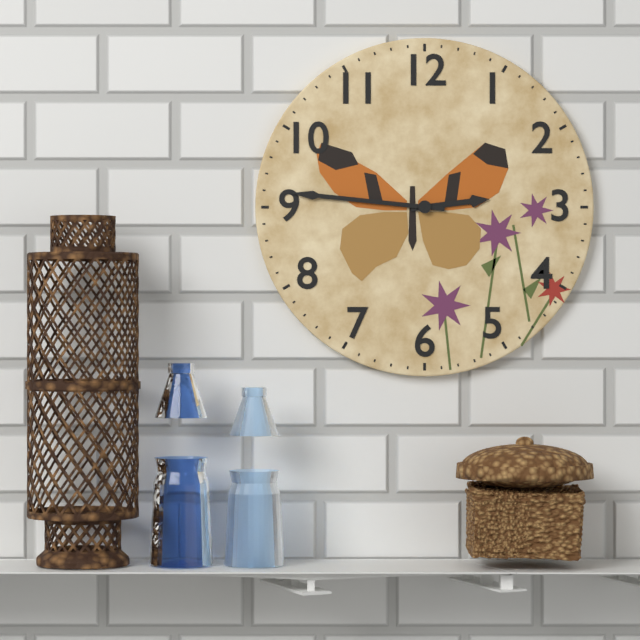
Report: {"hour": 2, "minute": 46}
